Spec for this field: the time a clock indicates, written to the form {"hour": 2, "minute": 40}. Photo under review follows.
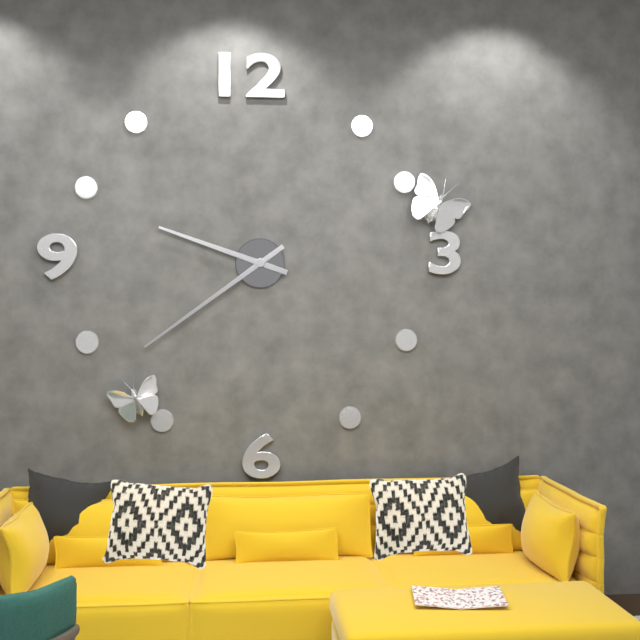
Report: {"hour": 9, "minute": 39}
